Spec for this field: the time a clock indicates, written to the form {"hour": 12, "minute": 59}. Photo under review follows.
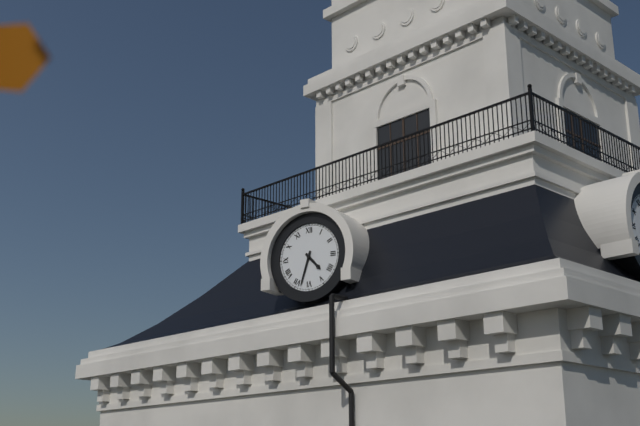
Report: {"hour": 4, "minute": 33}
